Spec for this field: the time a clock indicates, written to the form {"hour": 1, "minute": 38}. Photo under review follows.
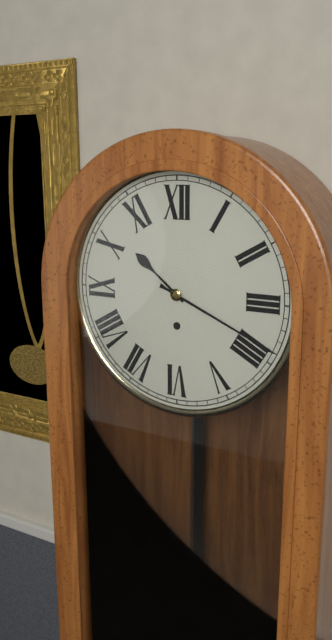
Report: {"hour": 10, "minute": 19}
